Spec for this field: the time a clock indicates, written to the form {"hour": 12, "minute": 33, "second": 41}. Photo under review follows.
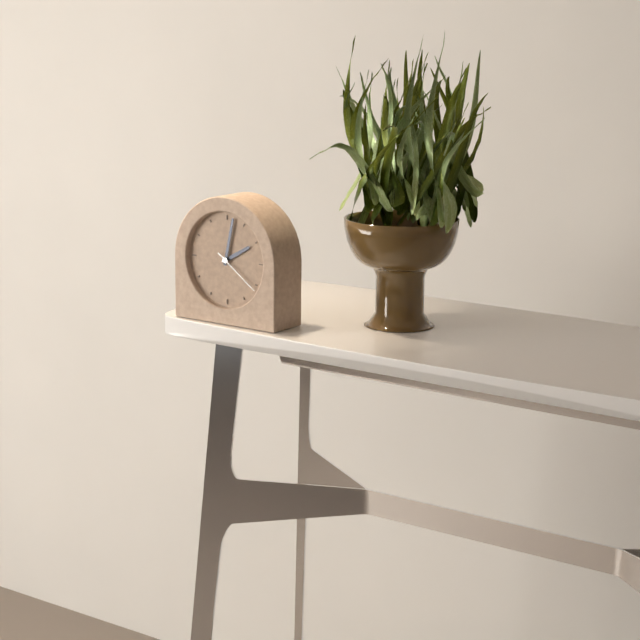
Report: {"hour": 2, "minute": 2, "second": 21}
